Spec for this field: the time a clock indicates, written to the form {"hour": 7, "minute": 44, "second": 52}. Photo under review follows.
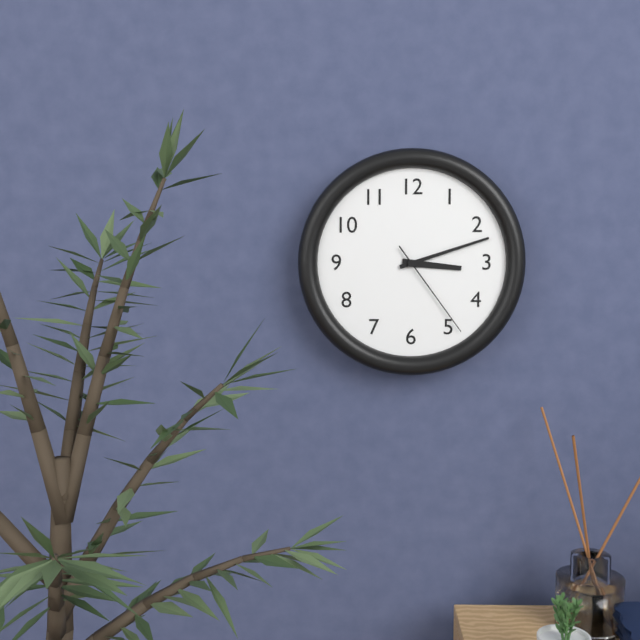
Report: {"hour": 3, "minute": 12, "second": 24}
